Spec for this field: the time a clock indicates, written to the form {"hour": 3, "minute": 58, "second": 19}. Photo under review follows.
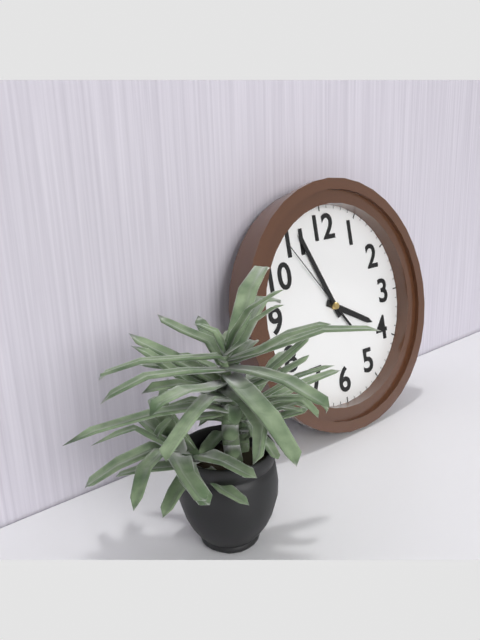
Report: {"hour": 3, "minute": 56, "second": 54}
